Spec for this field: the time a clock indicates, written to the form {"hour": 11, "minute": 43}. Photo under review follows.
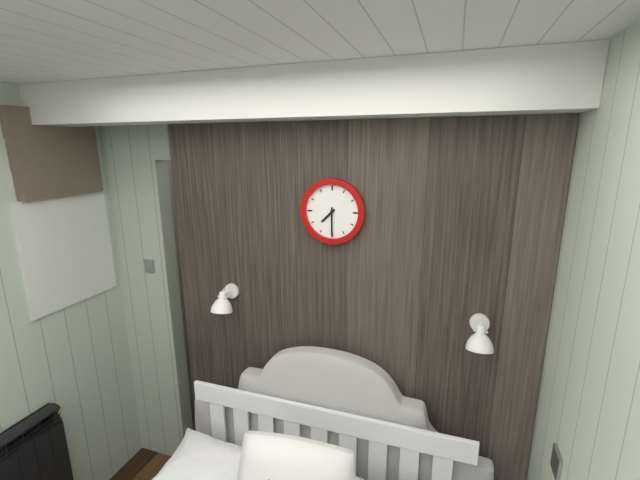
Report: {"hour": 7, "minute": 30}
